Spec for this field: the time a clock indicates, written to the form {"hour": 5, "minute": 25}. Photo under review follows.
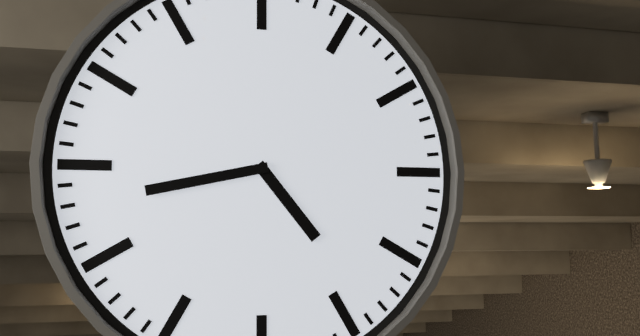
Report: {"hour": 4, "minute": 43}
